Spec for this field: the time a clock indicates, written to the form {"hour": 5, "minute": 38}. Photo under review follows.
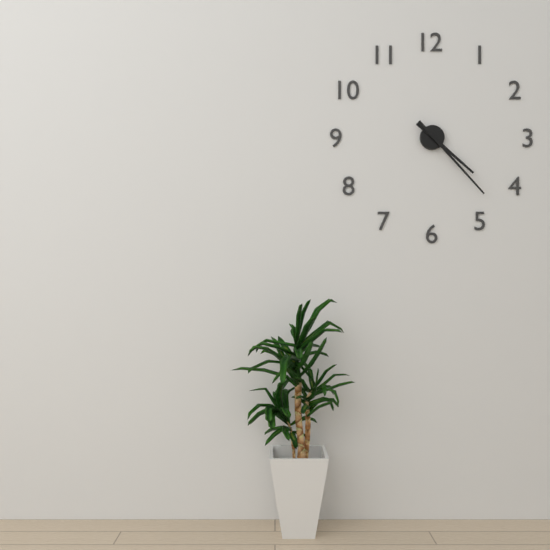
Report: {"hour": 4, "minute": 23}
